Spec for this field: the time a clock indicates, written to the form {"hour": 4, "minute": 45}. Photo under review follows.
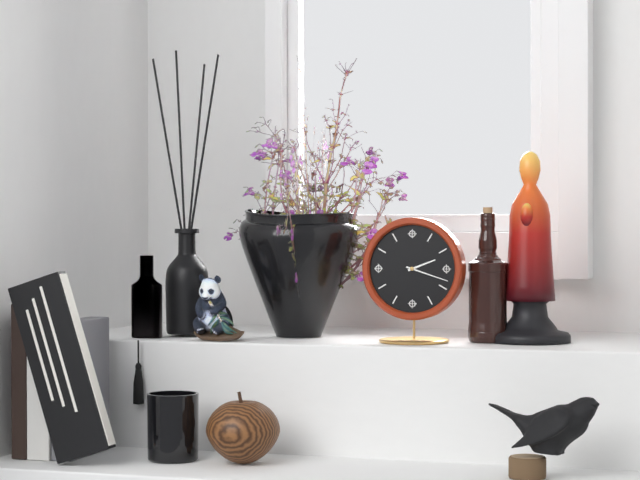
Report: {"hour": 2, "minute": 18}
